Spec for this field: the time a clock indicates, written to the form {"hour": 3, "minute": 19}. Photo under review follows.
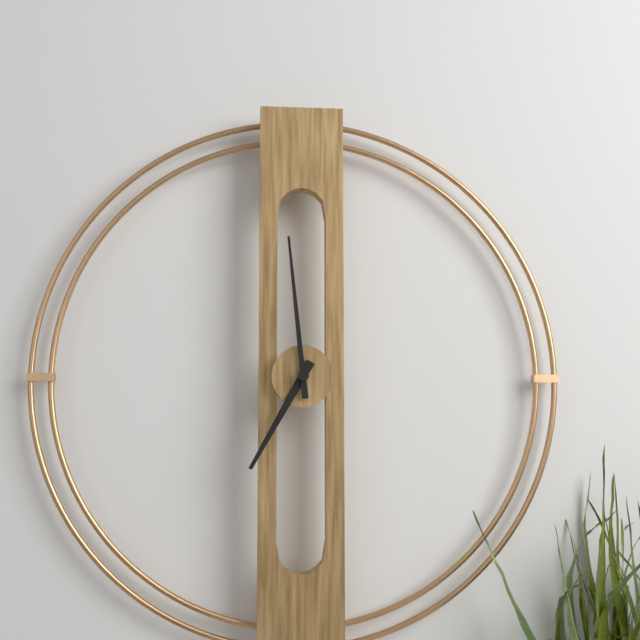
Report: {"hour": 6, "minute": 59}
